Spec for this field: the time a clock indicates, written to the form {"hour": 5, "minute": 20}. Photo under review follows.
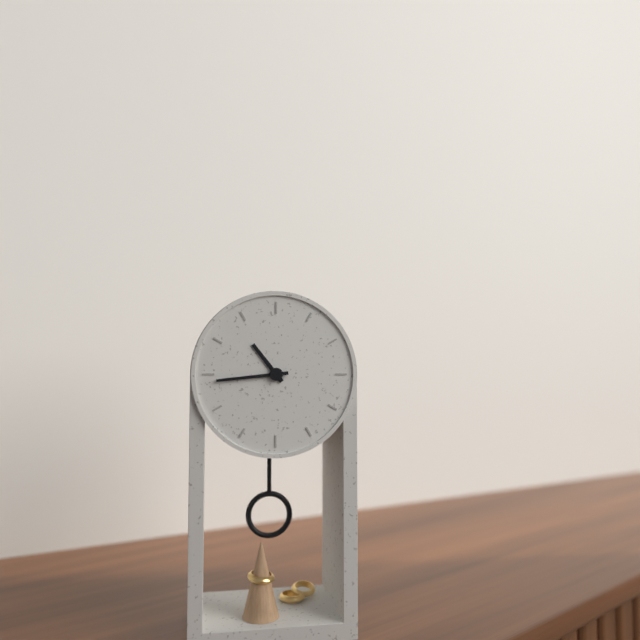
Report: {"hour": 10, "minute": 44}
